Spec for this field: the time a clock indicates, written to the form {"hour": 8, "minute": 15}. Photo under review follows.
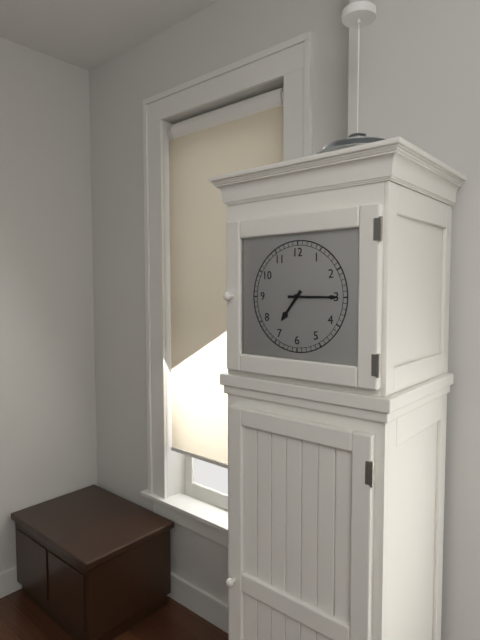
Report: {"hour": 7, "minute": 15}
